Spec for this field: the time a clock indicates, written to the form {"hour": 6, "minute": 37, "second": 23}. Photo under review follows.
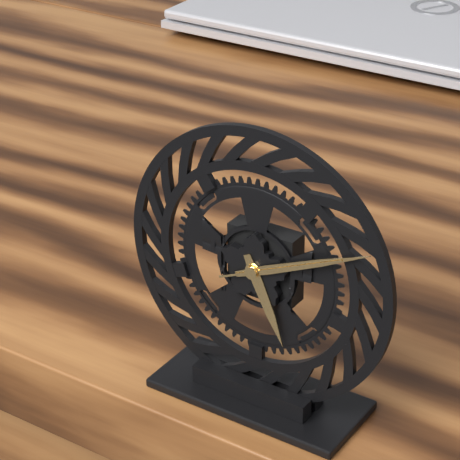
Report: {"hour": 5, "minute": 11, "second": 11}
